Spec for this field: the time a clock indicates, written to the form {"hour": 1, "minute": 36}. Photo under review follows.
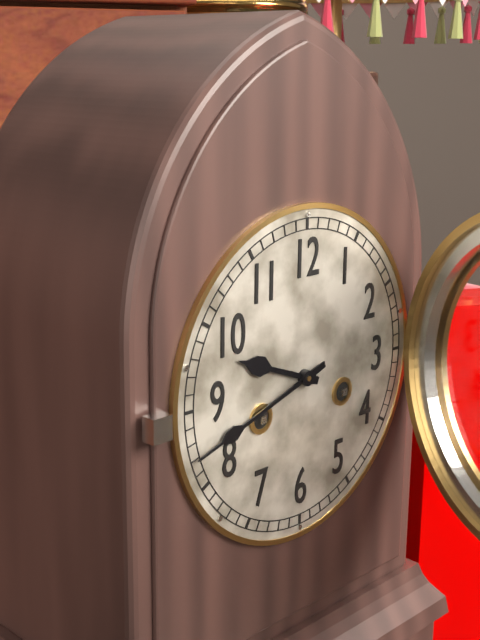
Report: {"hour": 9, "minute": 42}
